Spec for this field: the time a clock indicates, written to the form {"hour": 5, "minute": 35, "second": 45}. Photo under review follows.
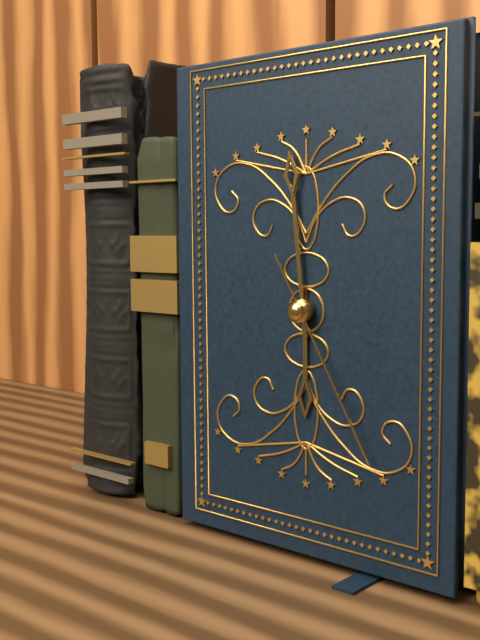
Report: {"hour": 5, "minute": 59, "second": 25}
